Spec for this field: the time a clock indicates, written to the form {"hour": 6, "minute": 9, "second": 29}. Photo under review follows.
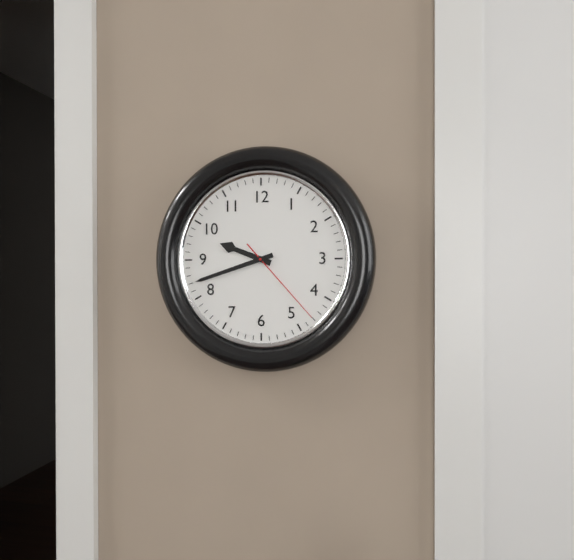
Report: {"hour": 9, "minute": 42, "second": 23}
